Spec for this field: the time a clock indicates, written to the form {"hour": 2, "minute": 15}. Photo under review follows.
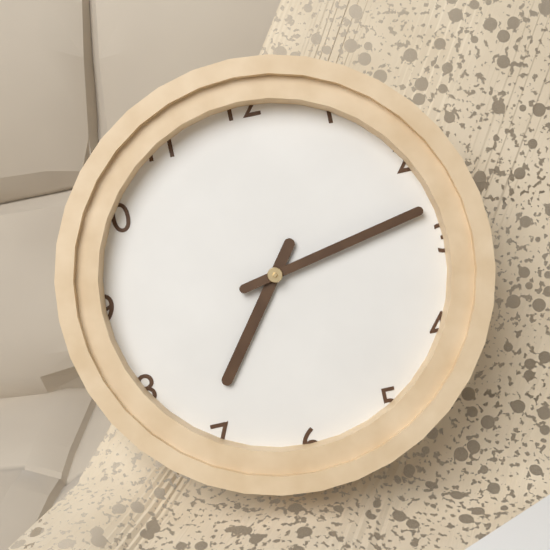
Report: {"hour": 7, "minute": 13}
